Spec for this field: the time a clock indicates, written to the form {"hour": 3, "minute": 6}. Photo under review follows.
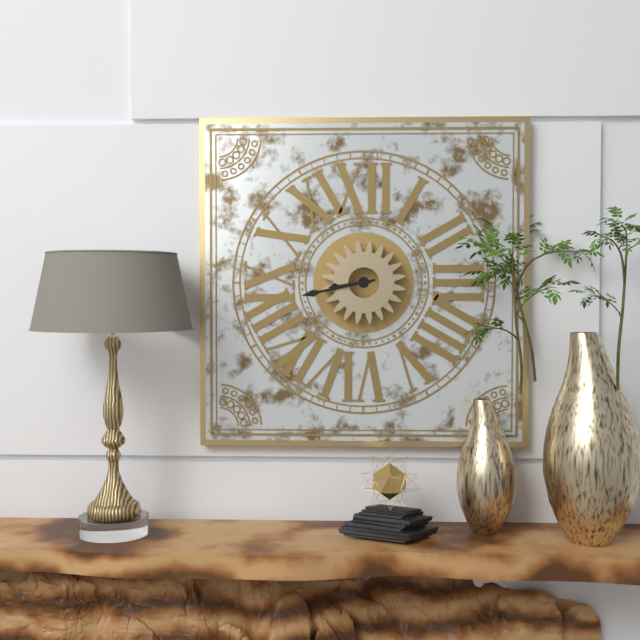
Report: {"hour": 8, "minute": 43}
